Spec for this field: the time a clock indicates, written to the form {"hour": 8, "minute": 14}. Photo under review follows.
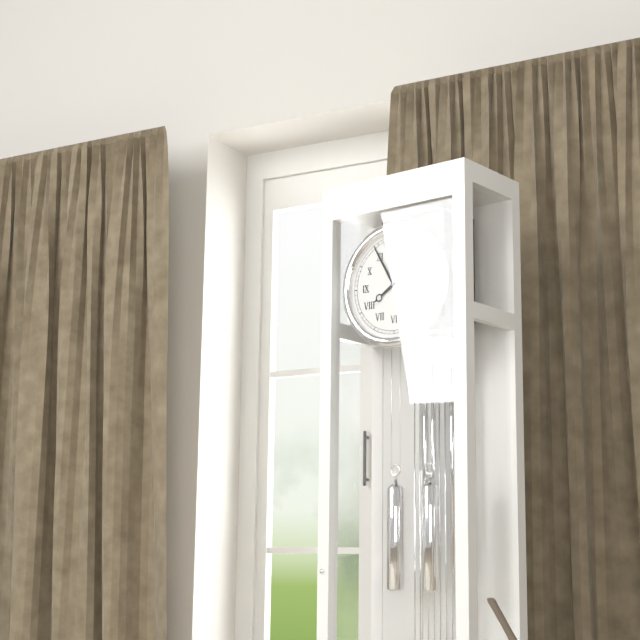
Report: {"hour": 7, "minute": 55}
